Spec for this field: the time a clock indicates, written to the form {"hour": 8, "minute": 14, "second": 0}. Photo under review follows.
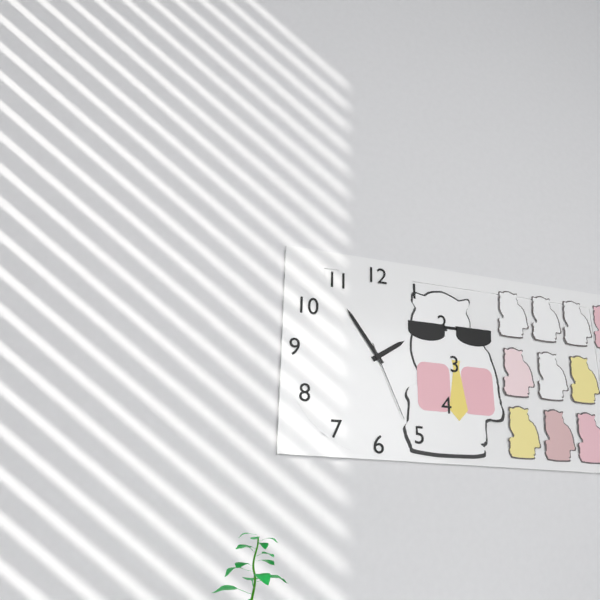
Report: {"hour": 1, "minute": 54, "second": 26}
